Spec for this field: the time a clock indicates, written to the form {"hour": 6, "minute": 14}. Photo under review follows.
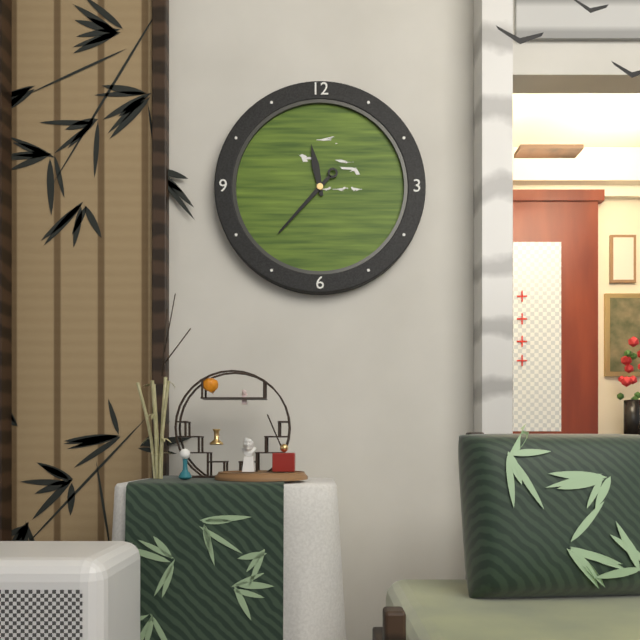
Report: {"hour": 11, "minute": 37}
